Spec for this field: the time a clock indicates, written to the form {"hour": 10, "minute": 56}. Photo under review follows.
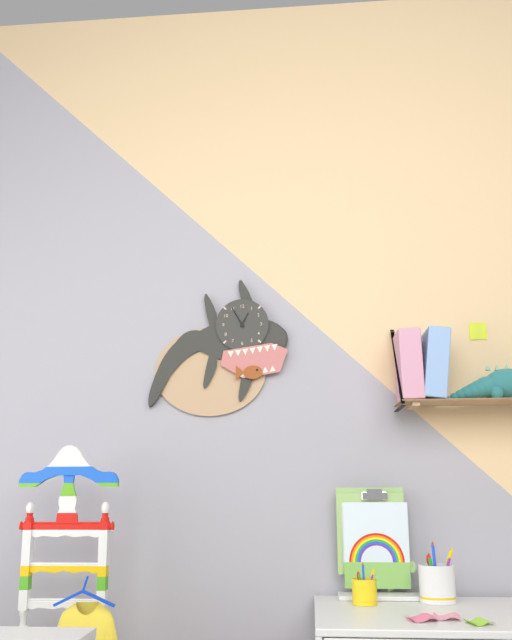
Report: {"hour": 12, "minute": 55}
